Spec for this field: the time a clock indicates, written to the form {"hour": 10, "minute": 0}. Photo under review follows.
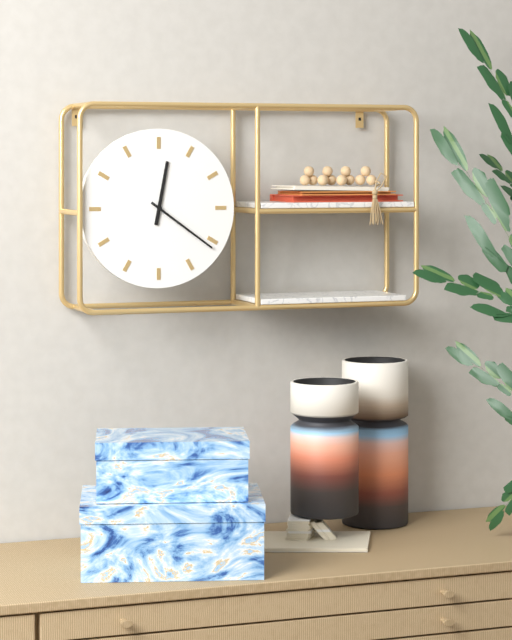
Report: {"hour": 12, "minute": 21}
